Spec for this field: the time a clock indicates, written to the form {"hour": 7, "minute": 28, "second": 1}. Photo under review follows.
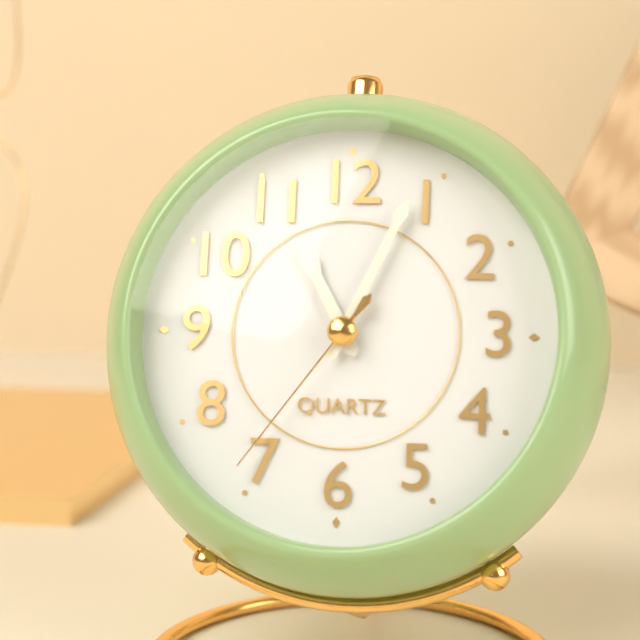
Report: {"hour": 11, "minute": 4, "second": 36}
